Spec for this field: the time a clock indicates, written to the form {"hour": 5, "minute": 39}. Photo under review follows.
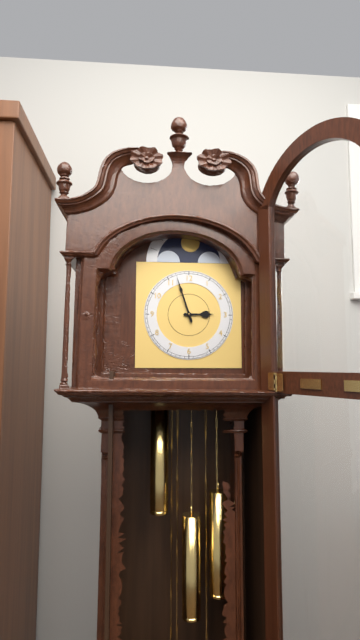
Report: {"hour": 2, "minute": 57}
